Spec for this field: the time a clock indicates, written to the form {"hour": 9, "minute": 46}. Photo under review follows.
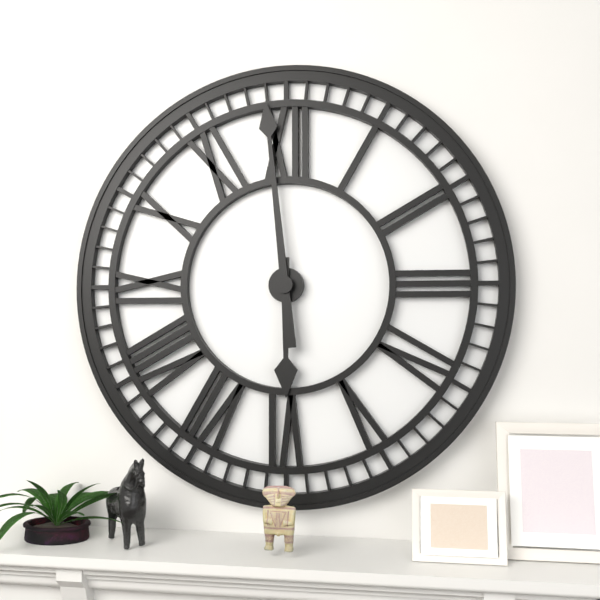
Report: {"hour": 5, "minute": 59}
